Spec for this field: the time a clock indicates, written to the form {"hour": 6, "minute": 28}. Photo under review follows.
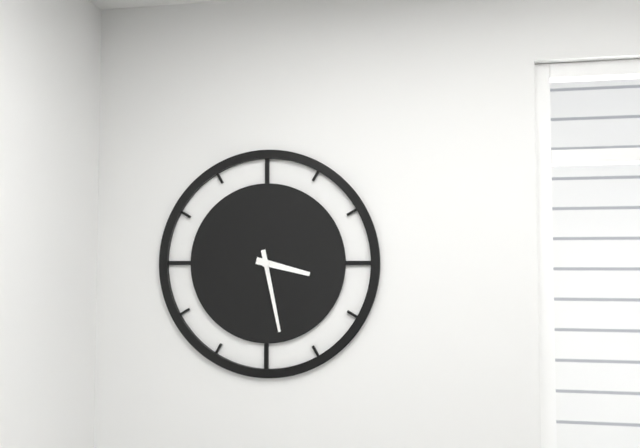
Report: {"hour": 3, "minute": 28}
